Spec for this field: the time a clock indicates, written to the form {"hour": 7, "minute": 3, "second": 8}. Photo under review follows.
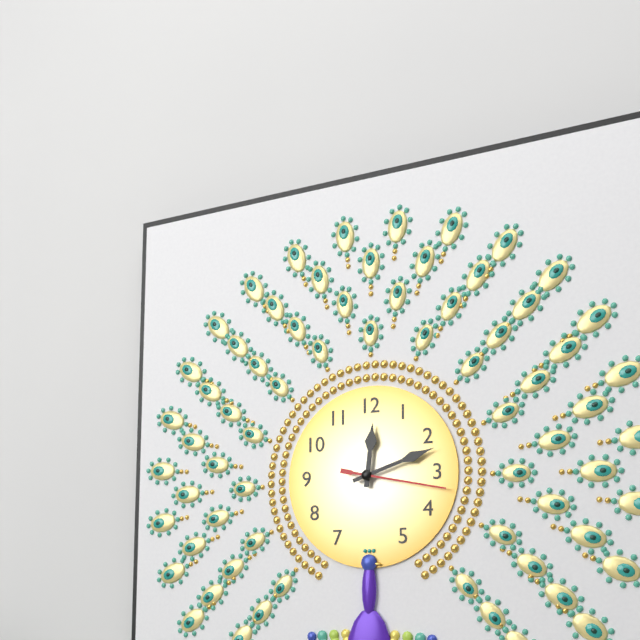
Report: {"hour": 12, "minute": 12, "second": 17}
